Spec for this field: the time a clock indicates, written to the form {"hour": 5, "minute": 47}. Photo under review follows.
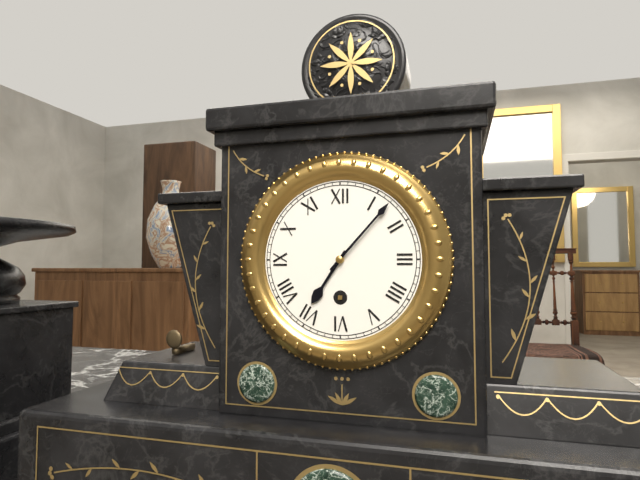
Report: {"hour": 7, "minute": 7}
